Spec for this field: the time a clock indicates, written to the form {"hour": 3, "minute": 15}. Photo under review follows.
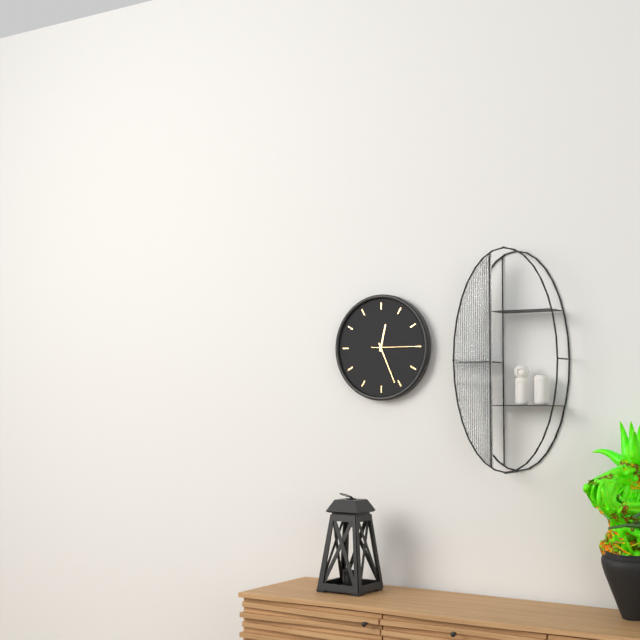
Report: {"hour": 12, "minute": 26}
